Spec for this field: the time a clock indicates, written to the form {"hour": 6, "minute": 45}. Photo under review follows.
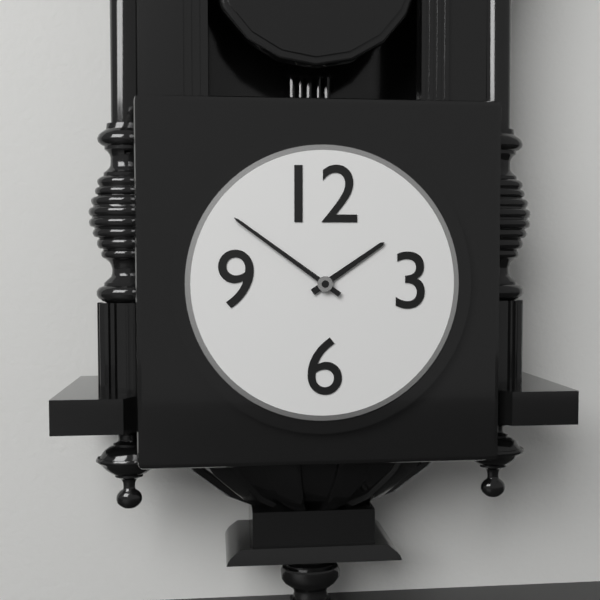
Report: {"hour": 1, "minute": 51}
